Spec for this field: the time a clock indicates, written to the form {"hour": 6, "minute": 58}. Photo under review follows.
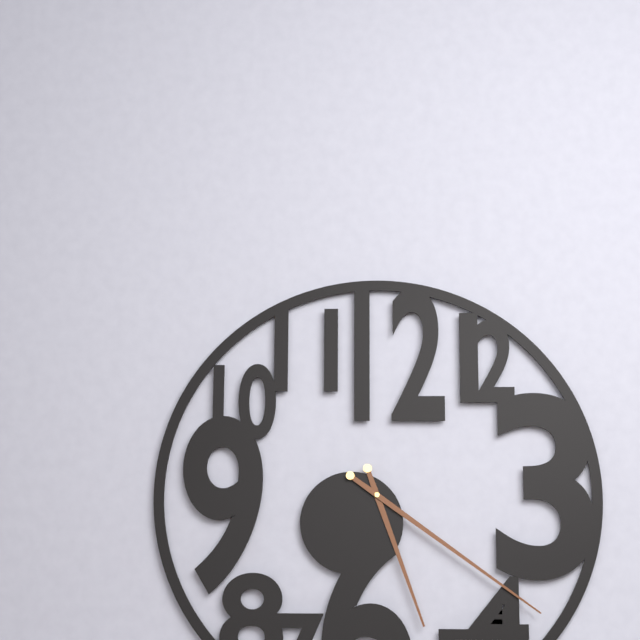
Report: {"hour": 5, "minute": 21}
